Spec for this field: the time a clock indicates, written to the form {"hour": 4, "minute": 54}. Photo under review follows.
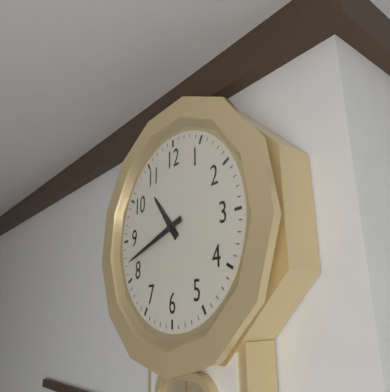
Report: {"hour": 10, "minute": 42}
